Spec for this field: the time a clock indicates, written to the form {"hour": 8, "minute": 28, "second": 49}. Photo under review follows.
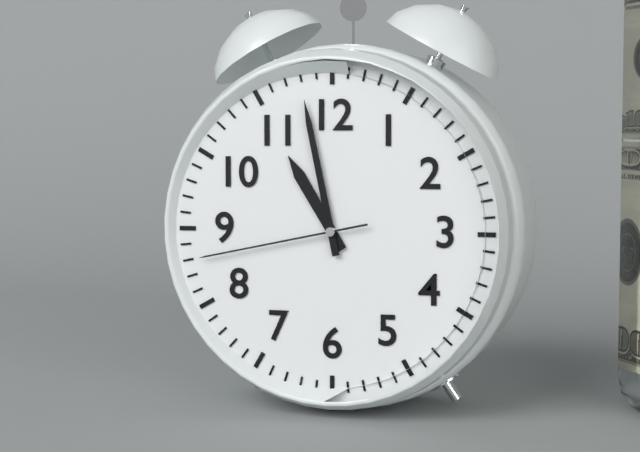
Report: {"hour": 10, "minute": 58, "second": 43}
